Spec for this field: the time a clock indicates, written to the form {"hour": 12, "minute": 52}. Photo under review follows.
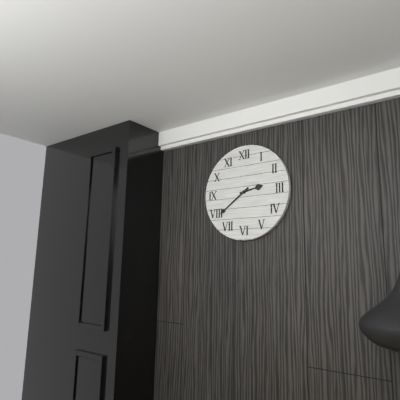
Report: {"hour": 2, "minute": 39}
